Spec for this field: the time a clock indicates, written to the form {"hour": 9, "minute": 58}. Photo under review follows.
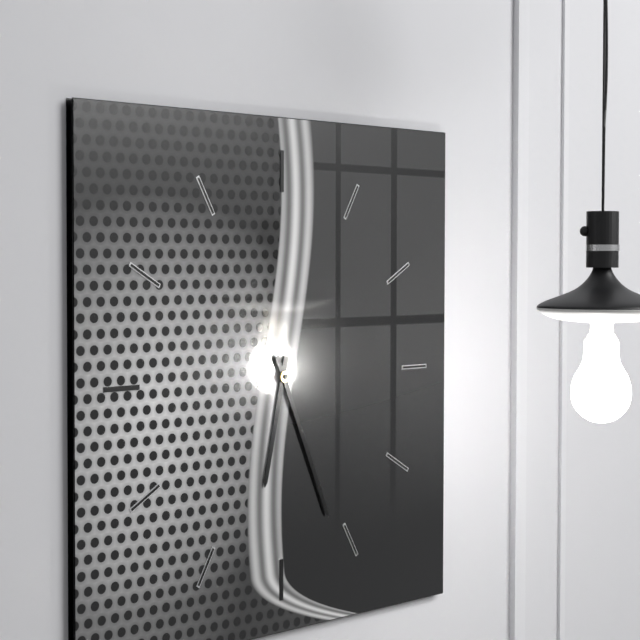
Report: {"hour": 6, "minute": 26}
